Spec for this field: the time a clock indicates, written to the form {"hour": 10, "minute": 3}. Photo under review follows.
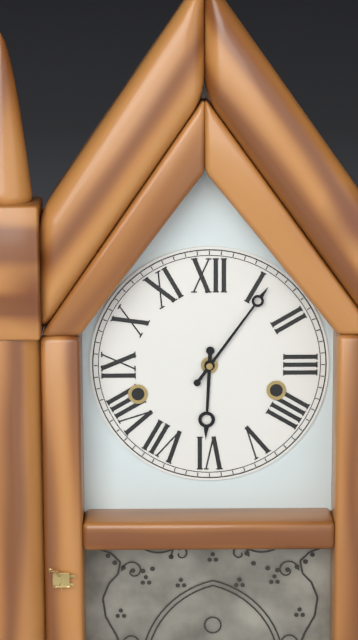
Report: {"hour": 6, "minute": 6}
